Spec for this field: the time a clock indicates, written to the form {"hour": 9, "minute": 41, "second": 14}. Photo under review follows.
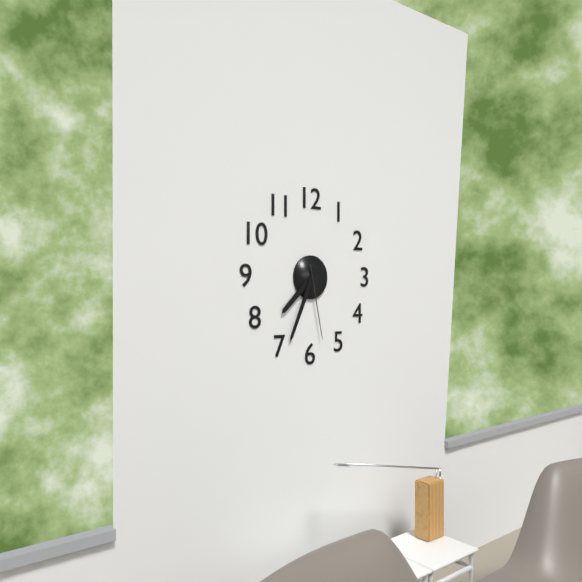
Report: {"hour": 7, "minute": 34, "second": 28}
